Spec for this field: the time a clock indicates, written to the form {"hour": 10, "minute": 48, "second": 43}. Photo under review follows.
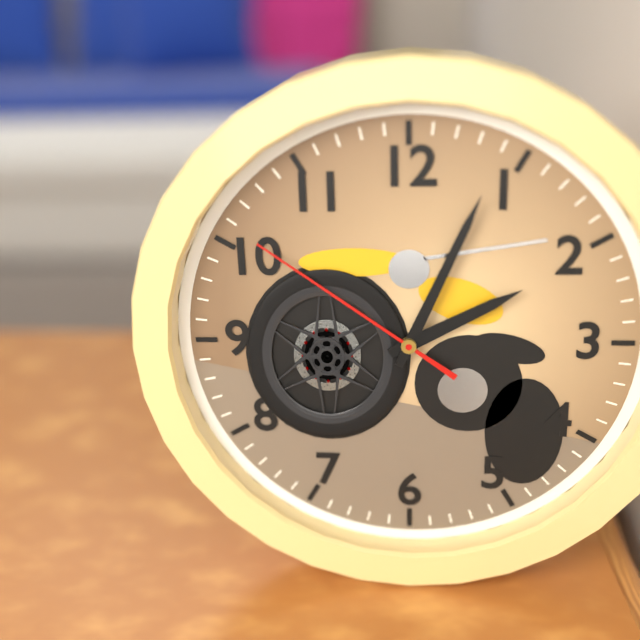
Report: {"hour": 2, "minute": 4, "second": 51}
